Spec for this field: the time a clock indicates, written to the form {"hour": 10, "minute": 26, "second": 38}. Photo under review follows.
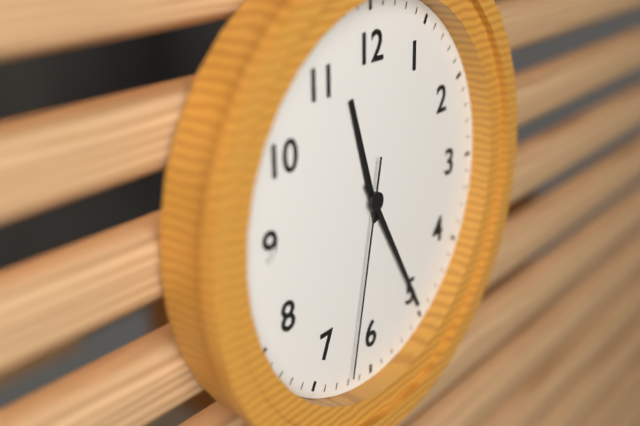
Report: {"hour": 11, "minute": 25, "second": 32}
